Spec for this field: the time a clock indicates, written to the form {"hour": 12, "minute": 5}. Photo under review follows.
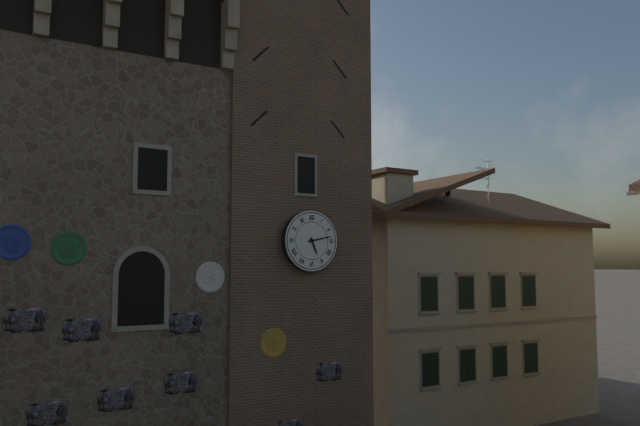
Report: {"hour": 5, "minute": 13}
